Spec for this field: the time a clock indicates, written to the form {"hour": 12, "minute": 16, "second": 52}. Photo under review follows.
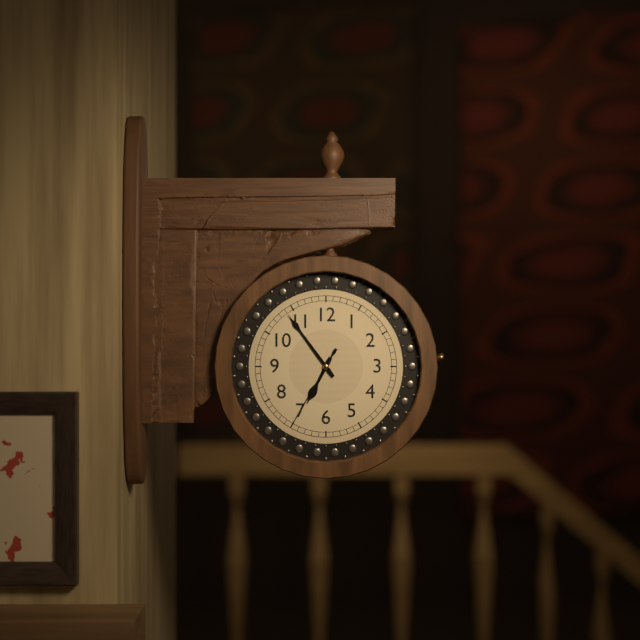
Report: {"hour": 6, "minute": 54, "second": 35}
